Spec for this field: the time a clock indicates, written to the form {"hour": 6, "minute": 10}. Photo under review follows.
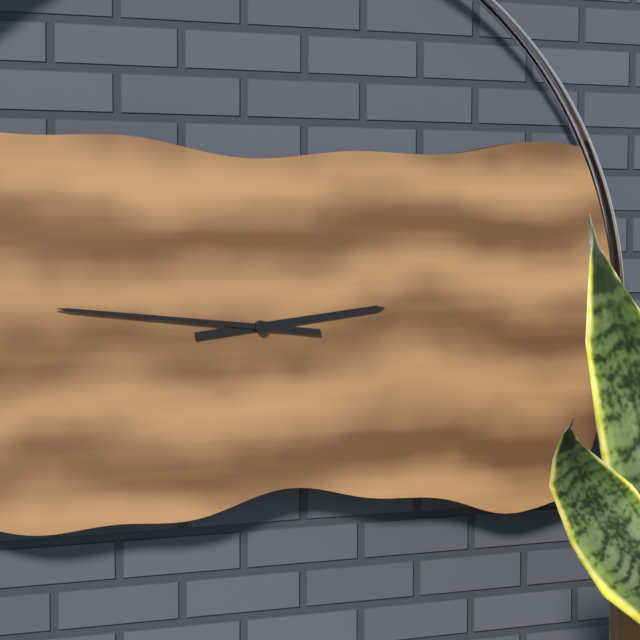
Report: {"hour": 2, "minute": 46}
